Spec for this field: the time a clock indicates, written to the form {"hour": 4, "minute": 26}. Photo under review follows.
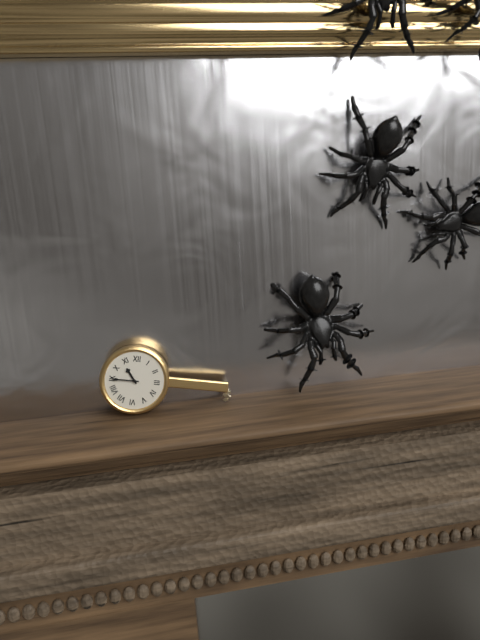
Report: {"hour": 10, "minute": 45}
